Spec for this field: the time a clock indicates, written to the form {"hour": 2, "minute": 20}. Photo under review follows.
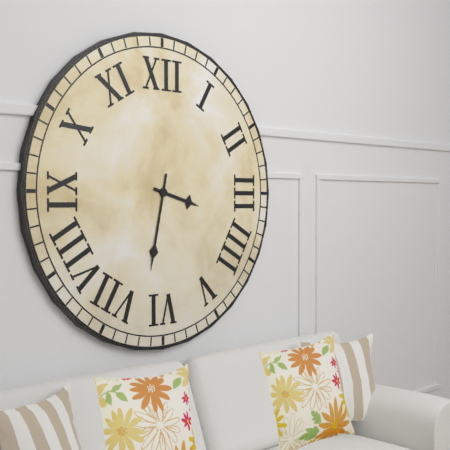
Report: {"hour": 3, "minute": 32}
